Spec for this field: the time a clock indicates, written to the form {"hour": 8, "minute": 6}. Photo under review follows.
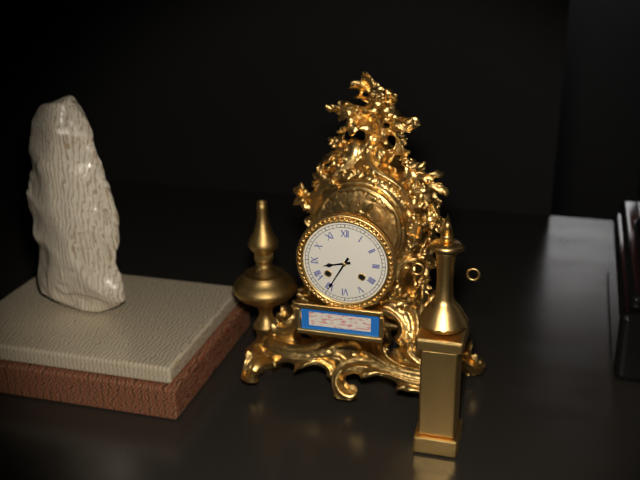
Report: {"hour": 8, "minute": 35}
